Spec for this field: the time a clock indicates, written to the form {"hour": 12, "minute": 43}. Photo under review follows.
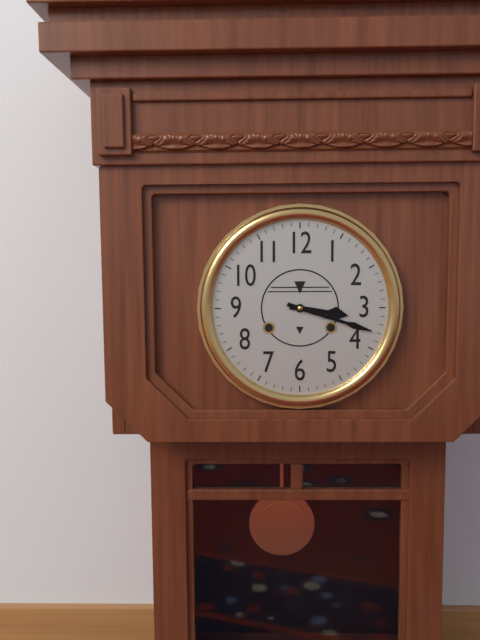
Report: {"hour": 3, "minute": 18}
